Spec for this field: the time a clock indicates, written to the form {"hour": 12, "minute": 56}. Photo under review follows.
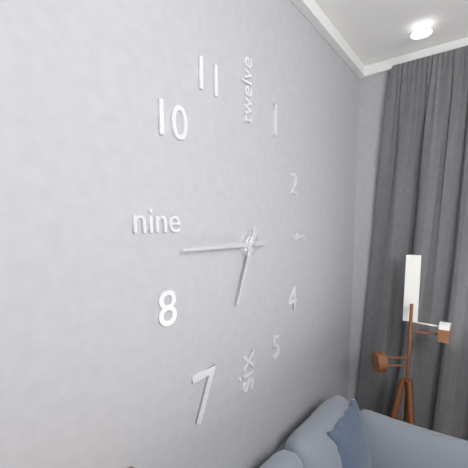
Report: {"hour": 6, "minute": 45}
